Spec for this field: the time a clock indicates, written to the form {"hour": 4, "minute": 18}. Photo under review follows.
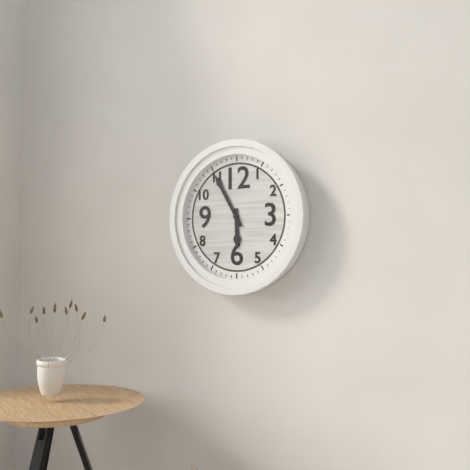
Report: {"hour": 5, "minute": 55}
